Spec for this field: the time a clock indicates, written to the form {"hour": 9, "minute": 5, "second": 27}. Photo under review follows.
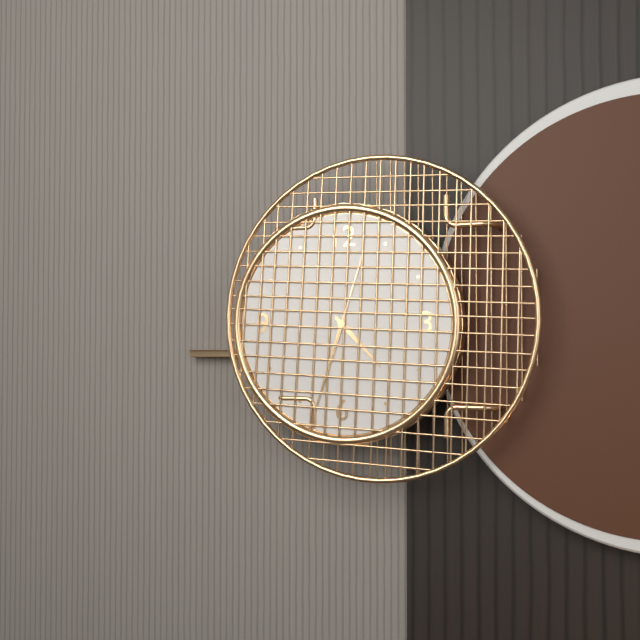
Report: {"hour": 4, "minute": 33, "second": 3}
